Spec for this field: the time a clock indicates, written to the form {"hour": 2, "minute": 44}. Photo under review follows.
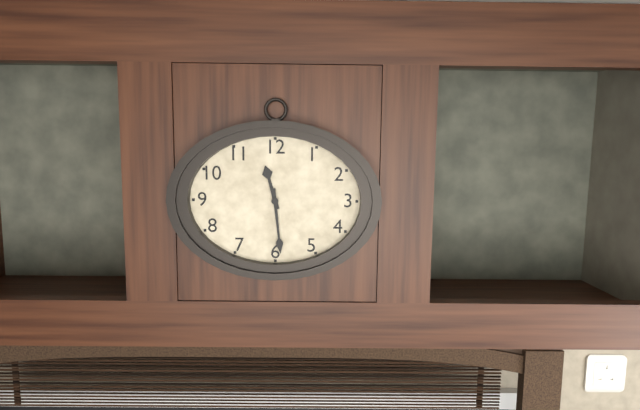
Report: {"hour": 11, "minute": 29}
